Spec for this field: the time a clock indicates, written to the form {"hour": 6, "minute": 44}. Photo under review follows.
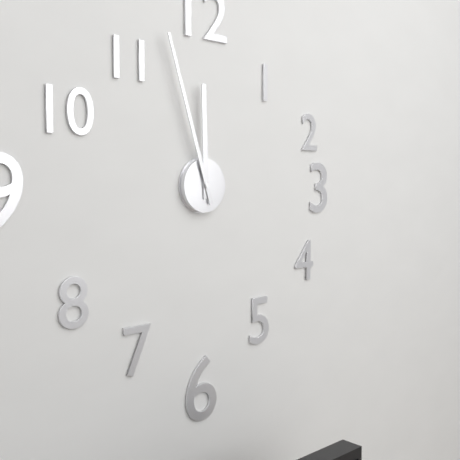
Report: {"hour": 11, "minute": 57}
